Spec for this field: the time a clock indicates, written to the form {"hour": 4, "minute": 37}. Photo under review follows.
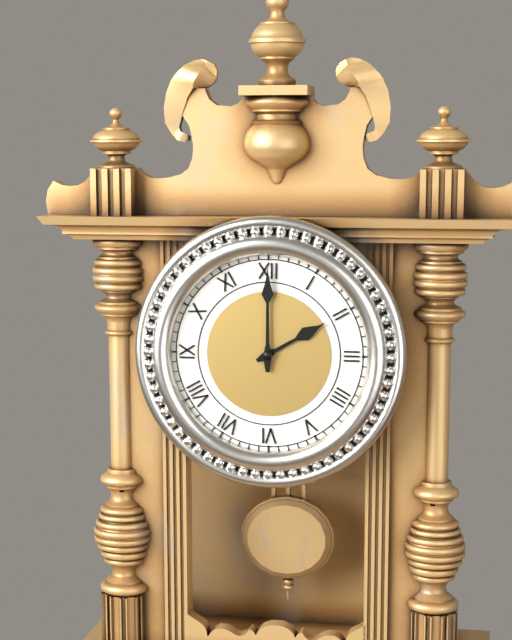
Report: {"hour": 2, "minute": 0}
